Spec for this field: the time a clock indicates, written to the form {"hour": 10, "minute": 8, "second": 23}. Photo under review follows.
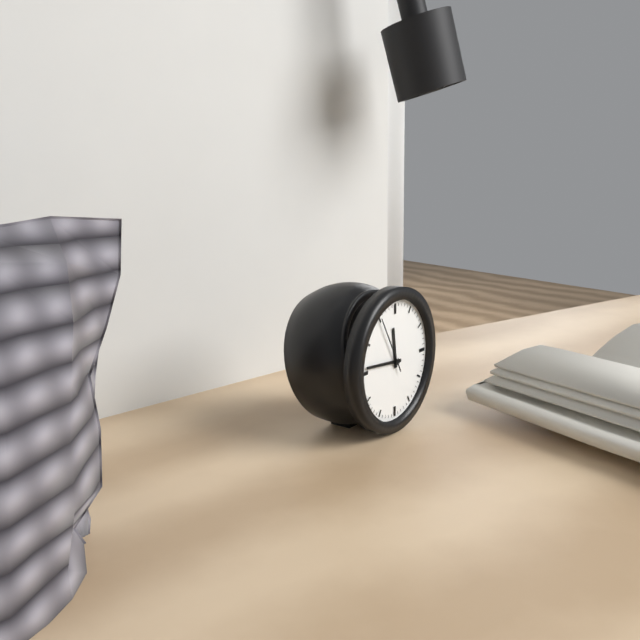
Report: {"hour": 11, "minute": 46, "second": 55}
